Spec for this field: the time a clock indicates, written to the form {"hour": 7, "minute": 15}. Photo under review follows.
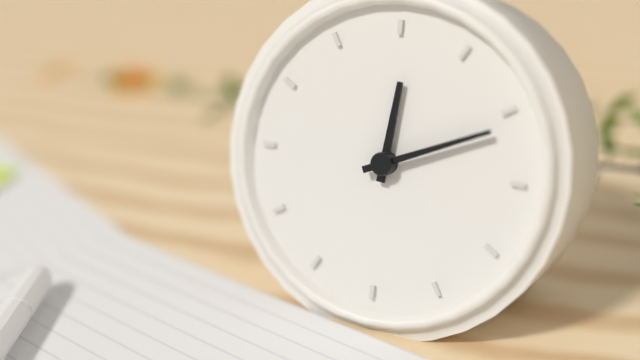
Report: {"hour": 12, "minute": 11}
